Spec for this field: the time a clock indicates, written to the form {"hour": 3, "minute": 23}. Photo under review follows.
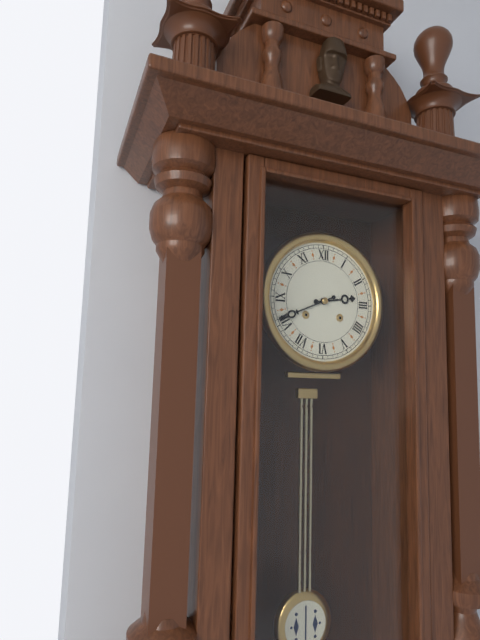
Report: {"hour": 2, "minute": 41}
